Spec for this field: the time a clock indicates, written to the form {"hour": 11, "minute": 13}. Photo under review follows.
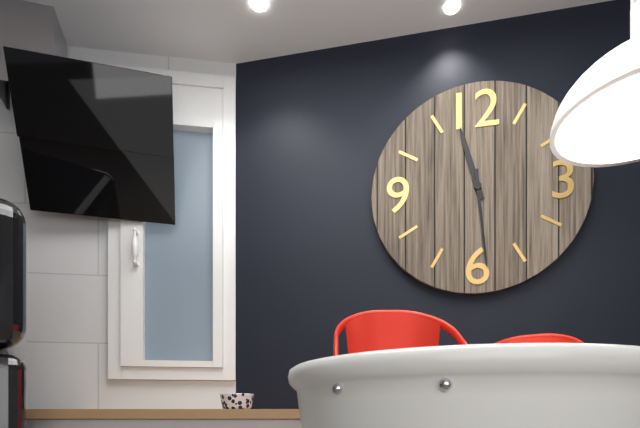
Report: {"hour": 11, "minute": 29}
